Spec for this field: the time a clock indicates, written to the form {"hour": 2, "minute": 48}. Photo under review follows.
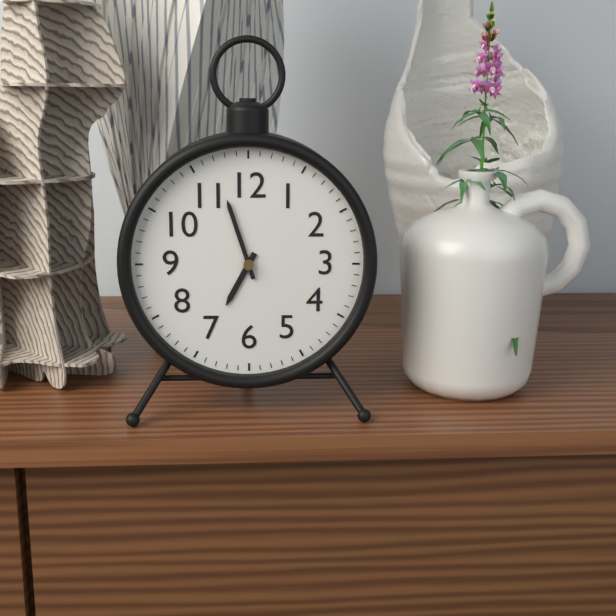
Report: {"hour": 6, "minute": 57}
